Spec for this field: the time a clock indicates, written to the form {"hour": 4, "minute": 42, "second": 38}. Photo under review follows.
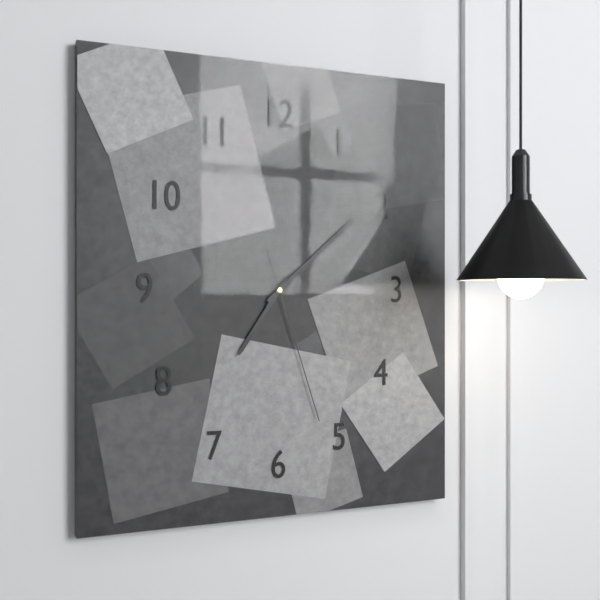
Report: {"hour": 7, "minute": 8, "second": 27}
